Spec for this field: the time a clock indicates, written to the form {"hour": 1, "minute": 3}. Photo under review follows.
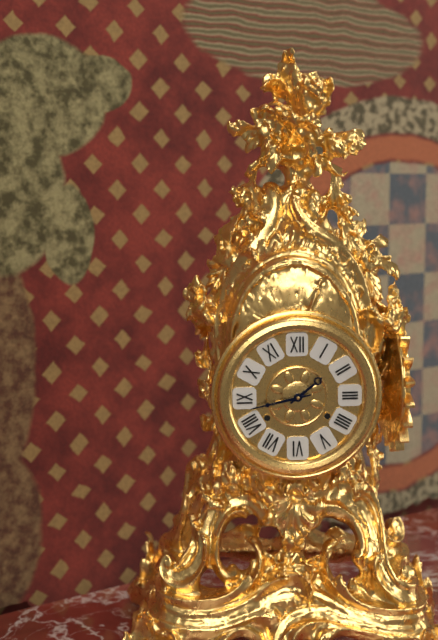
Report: {"hour": 1, "minute": 43}
